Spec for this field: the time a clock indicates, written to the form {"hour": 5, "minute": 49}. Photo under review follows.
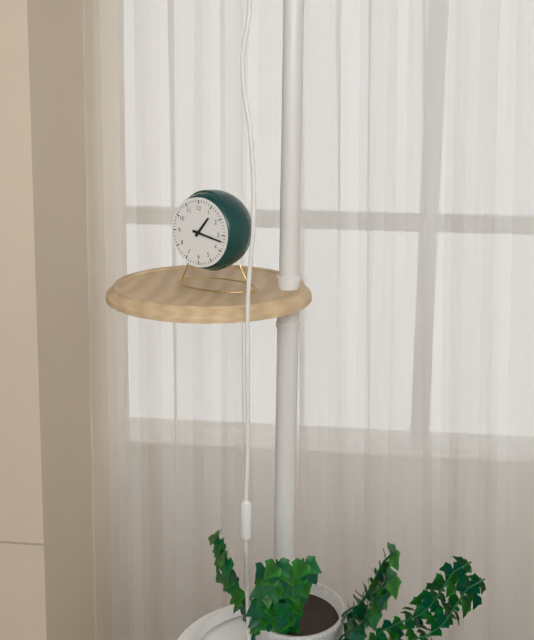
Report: {"hour": 1, "minute": 17}
